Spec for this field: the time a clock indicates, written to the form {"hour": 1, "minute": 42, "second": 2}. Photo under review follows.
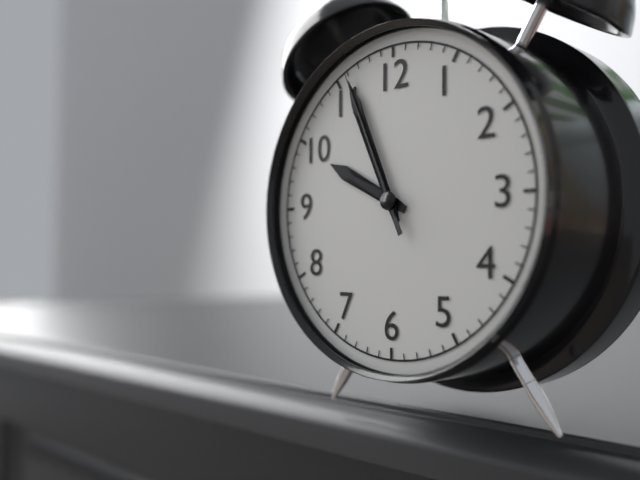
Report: {"hour": 9, "minute": 56, "second": 56}
